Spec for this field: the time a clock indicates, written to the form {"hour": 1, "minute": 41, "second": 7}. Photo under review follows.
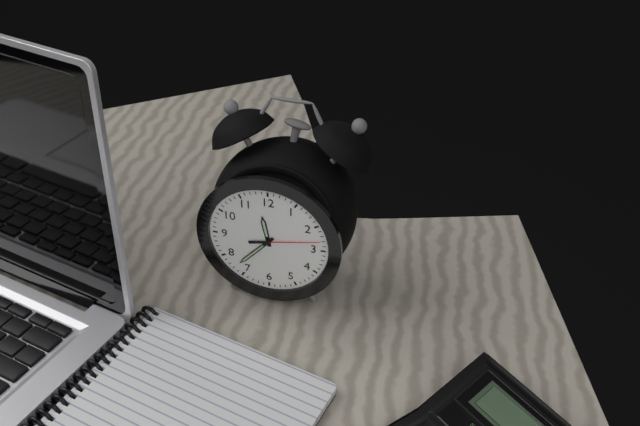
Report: {"hour": 11, "minute": 37, "second": 13}
